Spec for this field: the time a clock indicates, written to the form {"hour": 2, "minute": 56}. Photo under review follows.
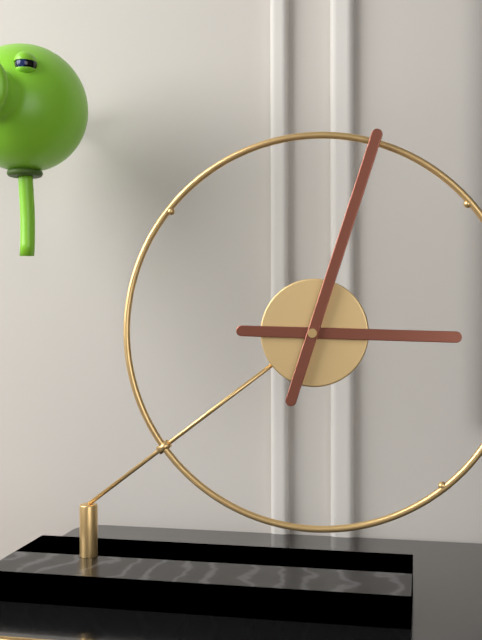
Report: {"hour": 3, "minute": 3}
